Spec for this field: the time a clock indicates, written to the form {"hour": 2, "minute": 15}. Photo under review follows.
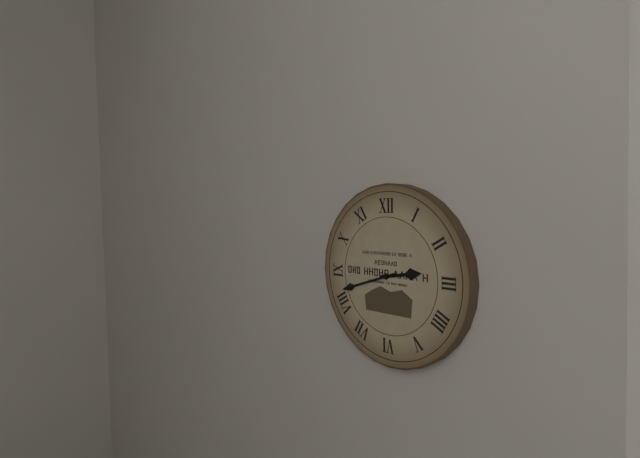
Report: {"hour": 2, "minute": 42}
